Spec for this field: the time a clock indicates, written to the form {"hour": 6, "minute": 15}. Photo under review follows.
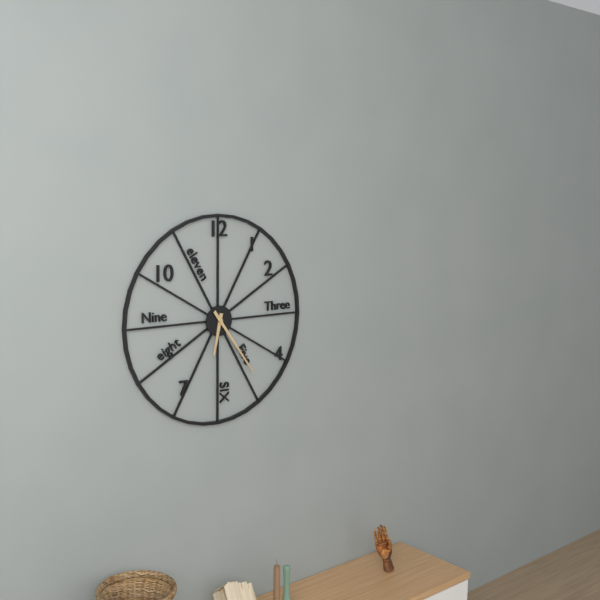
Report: {"hour": 6, "minute": 24}
